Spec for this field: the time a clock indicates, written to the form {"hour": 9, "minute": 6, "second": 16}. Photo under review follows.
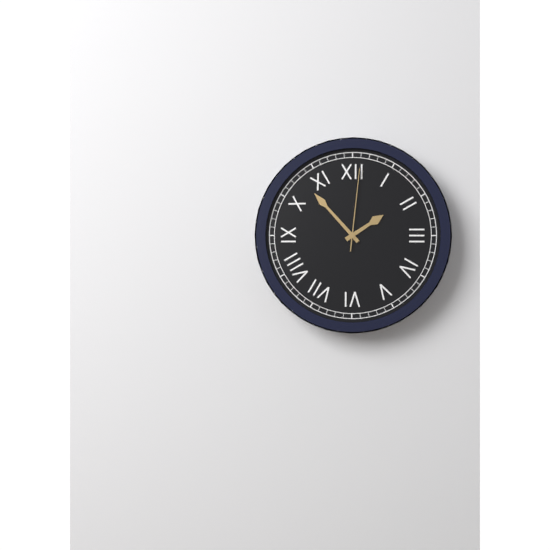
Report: {"hour": 1, "minute": 53, "second": 1}
